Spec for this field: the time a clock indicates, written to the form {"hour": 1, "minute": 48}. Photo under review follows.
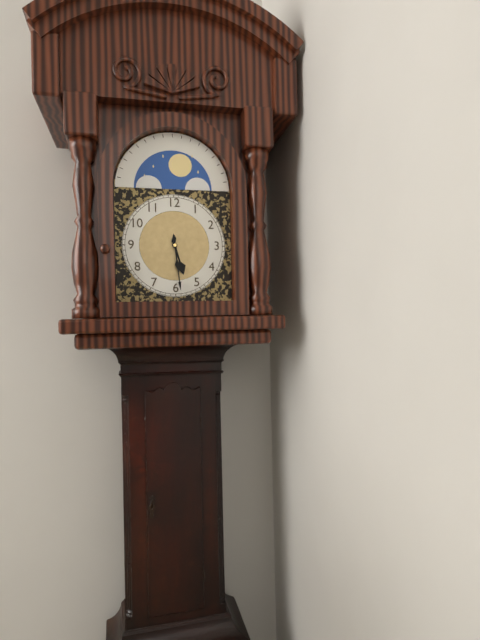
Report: {"hour": 5, "minute": 29}
